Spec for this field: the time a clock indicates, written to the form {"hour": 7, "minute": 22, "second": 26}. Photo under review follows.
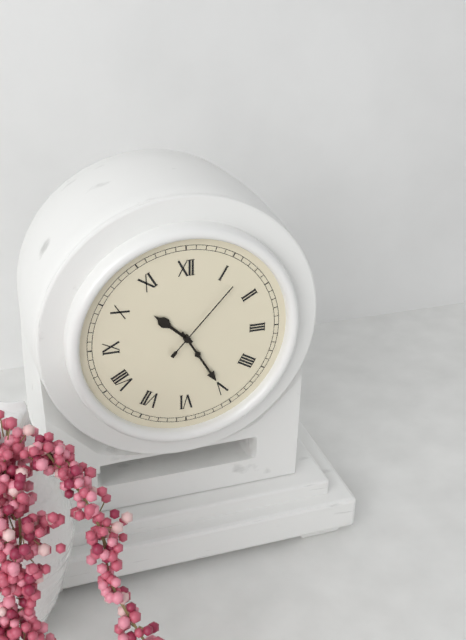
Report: {"hour": 10, "minute": 25, "second": 7}
